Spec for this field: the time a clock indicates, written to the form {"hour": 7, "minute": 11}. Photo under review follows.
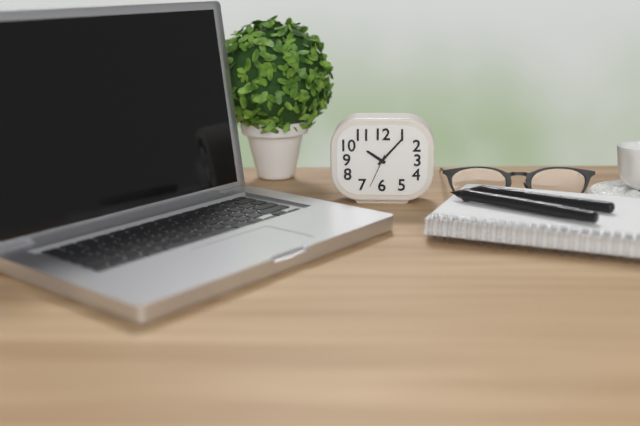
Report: {"hour": 10, "minute": 7}
